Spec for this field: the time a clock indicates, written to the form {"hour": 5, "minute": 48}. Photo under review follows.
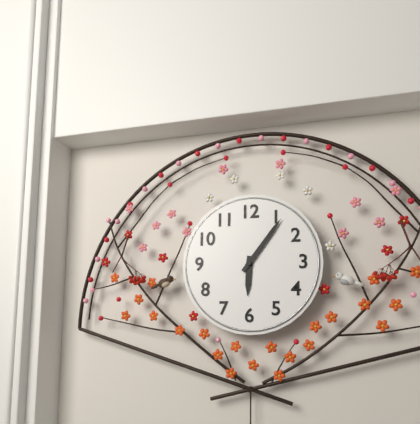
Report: {"hour": 6, "minute": 6}
